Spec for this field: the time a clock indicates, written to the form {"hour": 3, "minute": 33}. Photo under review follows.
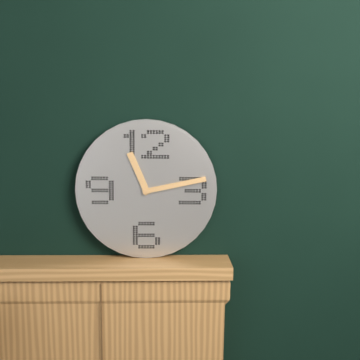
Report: {"hour": 11, "minute": 13}
